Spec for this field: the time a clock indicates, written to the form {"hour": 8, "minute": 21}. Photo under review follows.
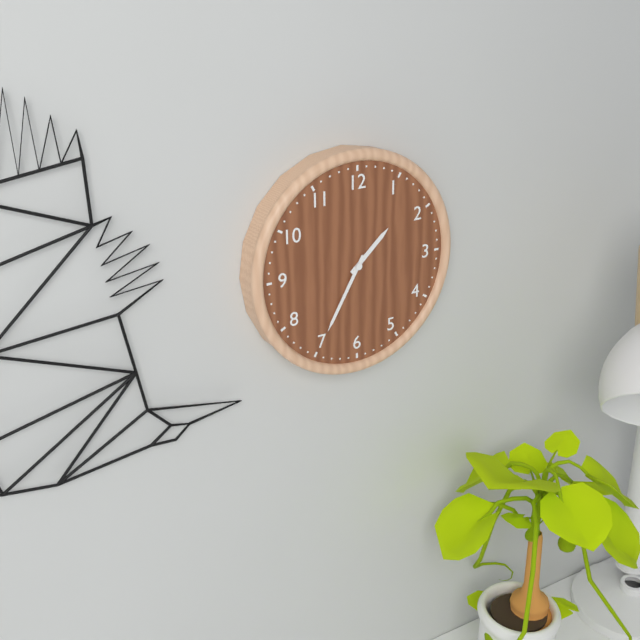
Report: {"hour": 1, "minute": 35}
